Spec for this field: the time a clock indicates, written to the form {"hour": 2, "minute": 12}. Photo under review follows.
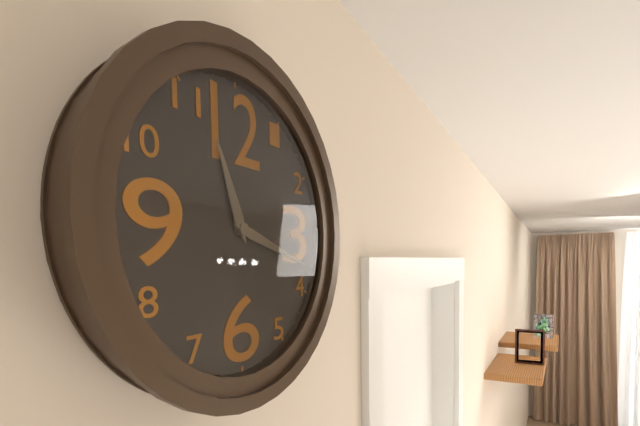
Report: {"hour": 11, "minute": 18}
